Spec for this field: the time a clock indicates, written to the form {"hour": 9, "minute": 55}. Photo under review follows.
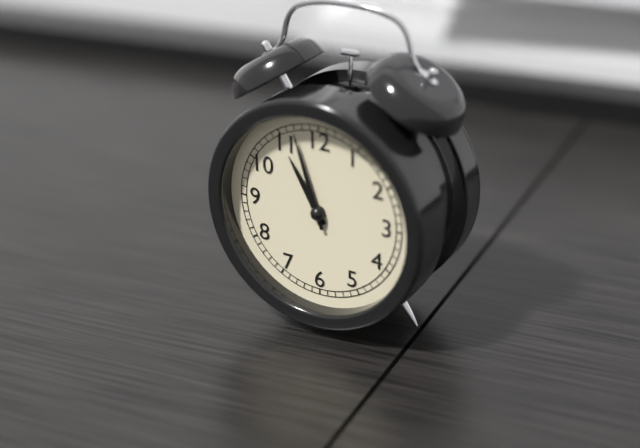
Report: {"hour": 10, "minute": 57}
